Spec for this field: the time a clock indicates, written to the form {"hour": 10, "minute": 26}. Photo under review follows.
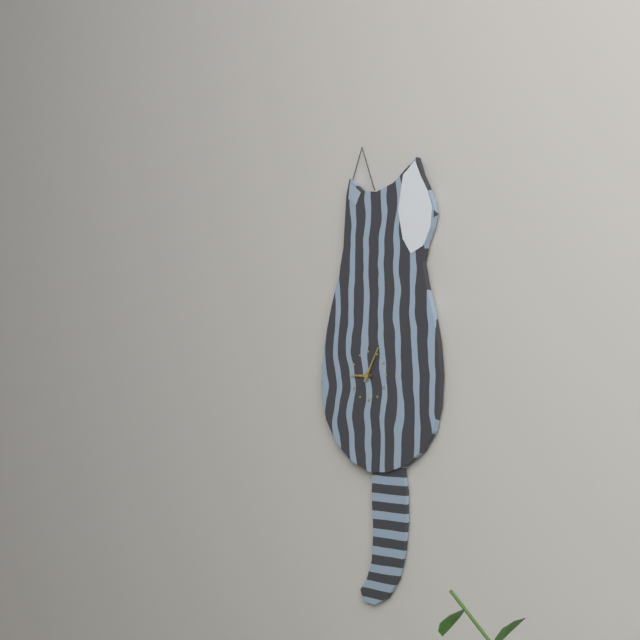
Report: {"hour": 9, "minute": 5}
